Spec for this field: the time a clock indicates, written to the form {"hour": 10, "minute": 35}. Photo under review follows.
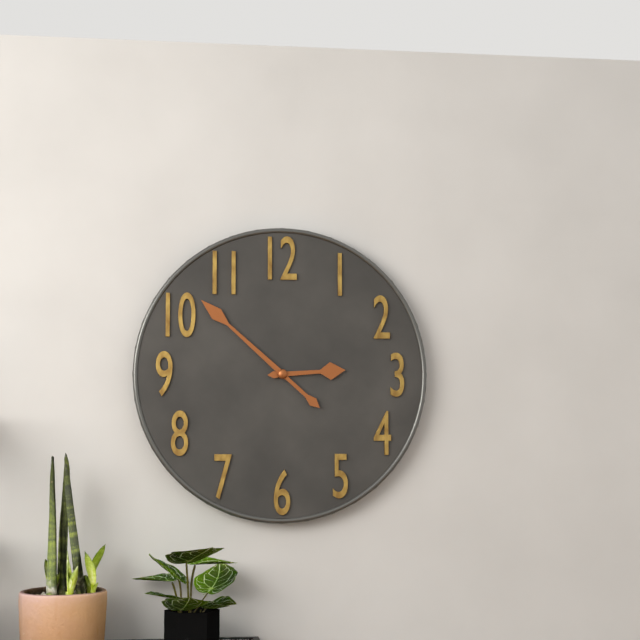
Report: {"hour": 2, "minute": 52}
